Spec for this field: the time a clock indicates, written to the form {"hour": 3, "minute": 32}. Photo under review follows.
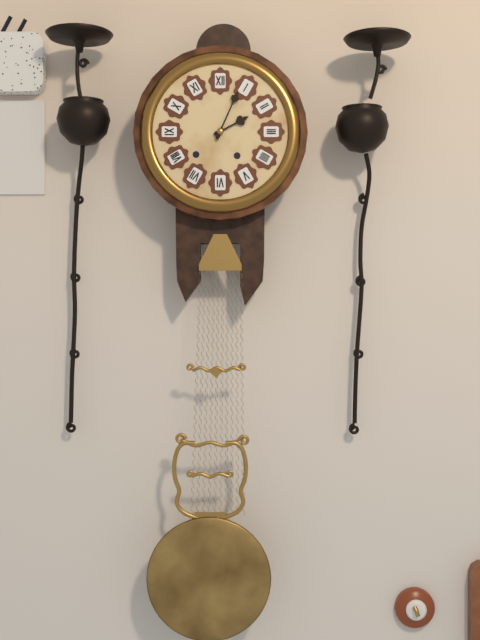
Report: {"hour": 2, "minute": 4}
